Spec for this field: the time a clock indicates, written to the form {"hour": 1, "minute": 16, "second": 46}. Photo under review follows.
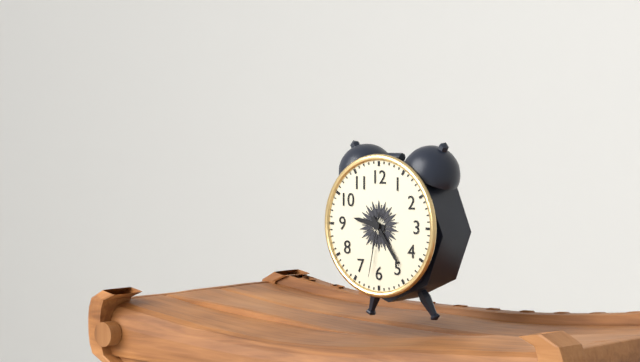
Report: {"hour": 9, "minute": 24, "second": 32}
